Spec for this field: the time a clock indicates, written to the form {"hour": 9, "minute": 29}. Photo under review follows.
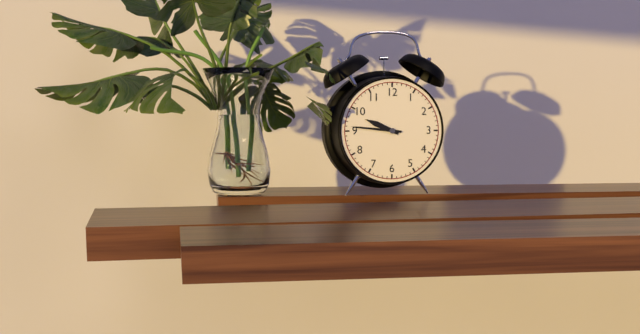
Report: {"hour": 9, "minute": 46}
